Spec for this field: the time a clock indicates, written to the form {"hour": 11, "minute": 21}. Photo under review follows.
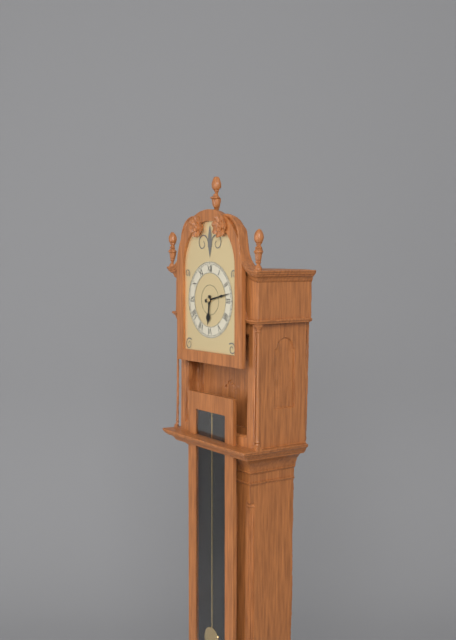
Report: {"hour": 6, "minute": 13}
